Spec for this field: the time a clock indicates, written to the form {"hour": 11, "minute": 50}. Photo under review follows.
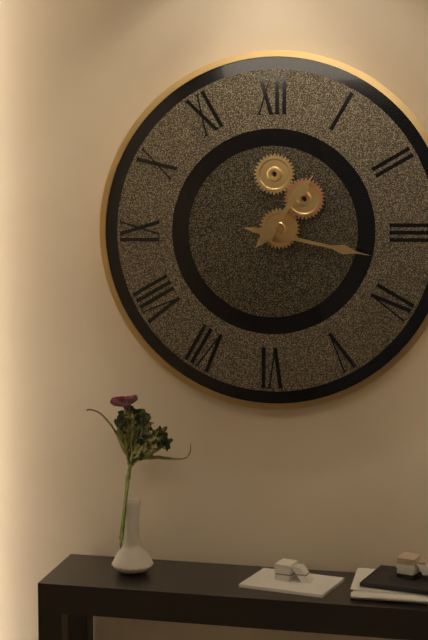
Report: {"hour": 1, "minute": 17}
